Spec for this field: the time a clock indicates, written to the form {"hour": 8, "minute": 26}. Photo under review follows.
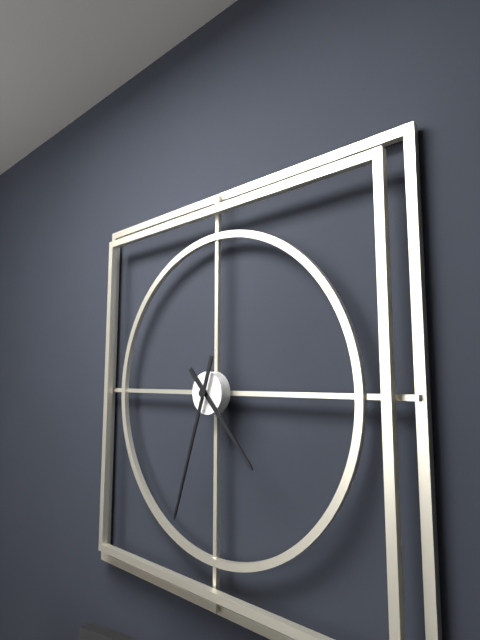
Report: {"hour": 4, "minute": 33}
